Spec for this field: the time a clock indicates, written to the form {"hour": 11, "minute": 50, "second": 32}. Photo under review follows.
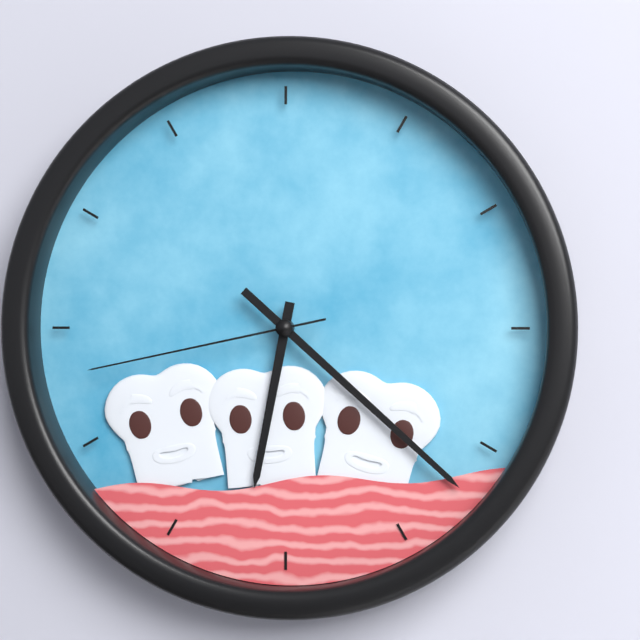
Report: {"hour": 6, "minute": 22, "second": 43}
